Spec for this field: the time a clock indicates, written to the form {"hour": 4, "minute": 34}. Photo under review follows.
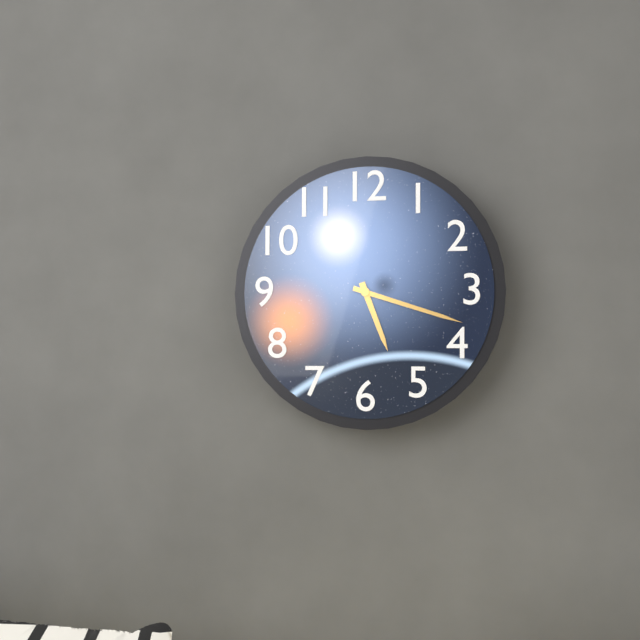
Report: {"hour": 5, "minute": 18}
